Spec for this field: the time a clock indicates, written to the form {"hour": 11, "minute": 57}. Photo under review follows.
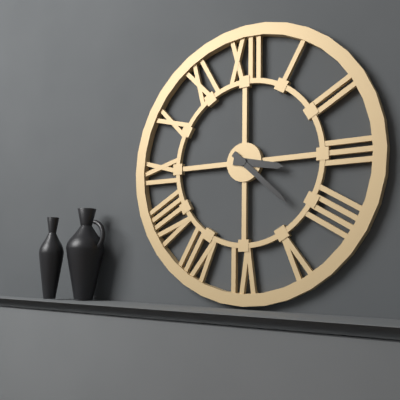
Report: {"hour": 3, "minute": 22}
